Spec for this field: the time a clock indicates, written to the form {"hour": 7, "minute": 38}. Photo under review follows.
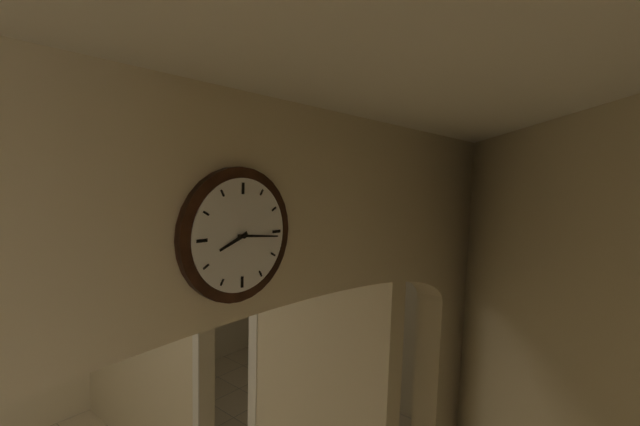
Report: {"hour": 8, "minute": 16}
